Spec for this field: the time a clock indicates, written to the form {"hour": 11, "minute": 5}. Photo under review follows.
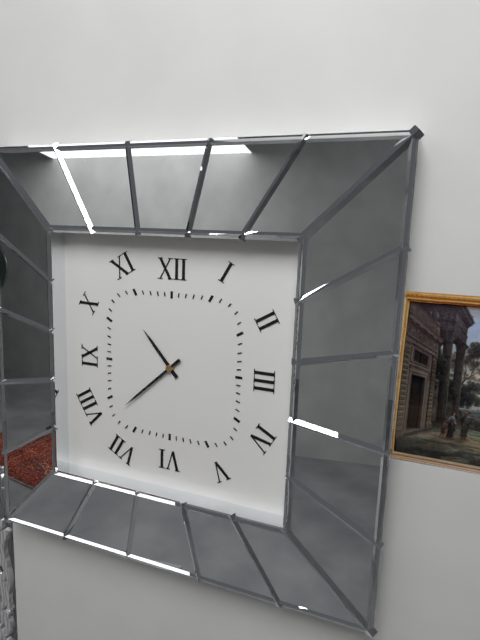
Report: {"hour": 10, "minute": 38}
